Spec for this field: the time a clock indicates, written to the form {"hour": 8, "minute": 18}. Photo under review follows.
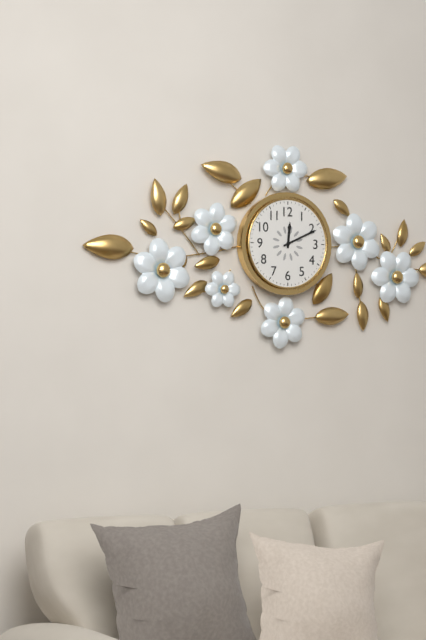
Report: {"hour": 12, "minute": 11}
